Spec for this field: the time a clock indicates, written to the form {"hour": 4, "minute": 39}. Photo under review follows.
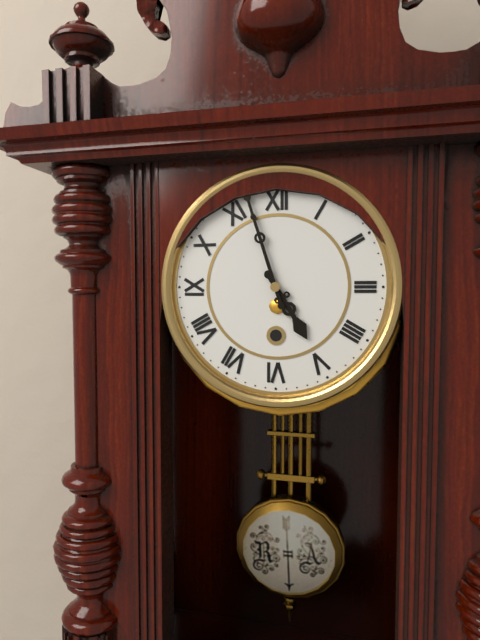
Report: {"hour": 4, "minute": 57}
